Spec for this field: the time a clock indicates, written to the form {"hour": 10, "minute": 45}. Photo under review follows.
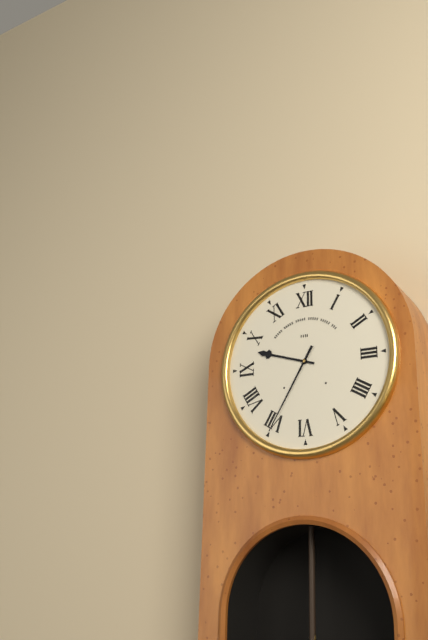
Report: {"hour": 9, "minute": 35}
